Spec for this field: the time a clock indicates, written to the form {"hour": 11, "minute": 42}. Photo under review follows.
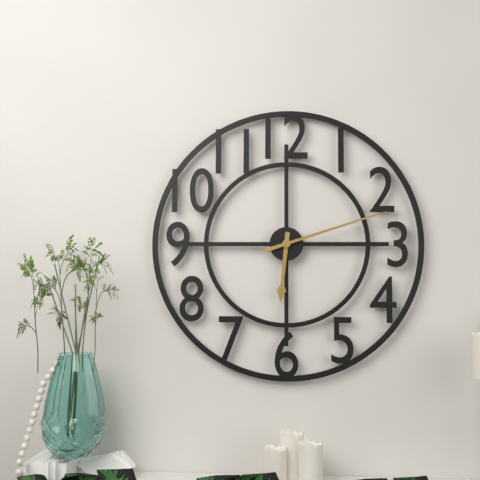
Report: {"hour": 6, "minute": 12}
